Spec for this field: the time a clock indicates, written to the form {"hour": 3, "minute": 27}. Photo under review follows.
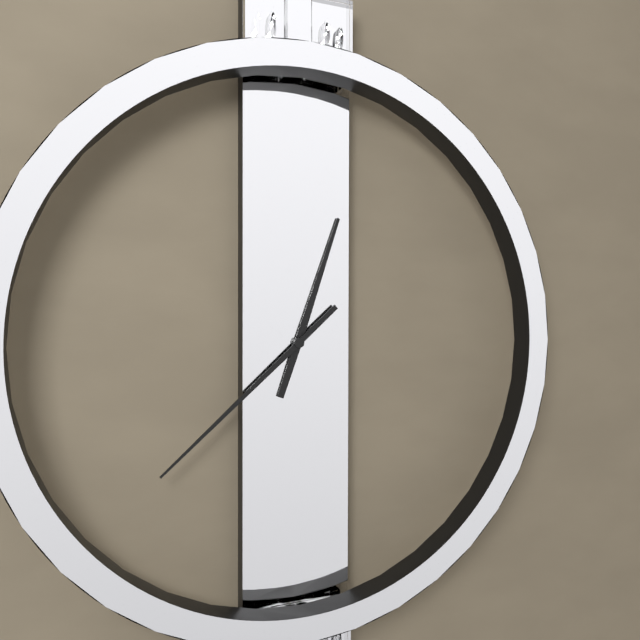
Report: {"hour": 12, "minute": 38}
